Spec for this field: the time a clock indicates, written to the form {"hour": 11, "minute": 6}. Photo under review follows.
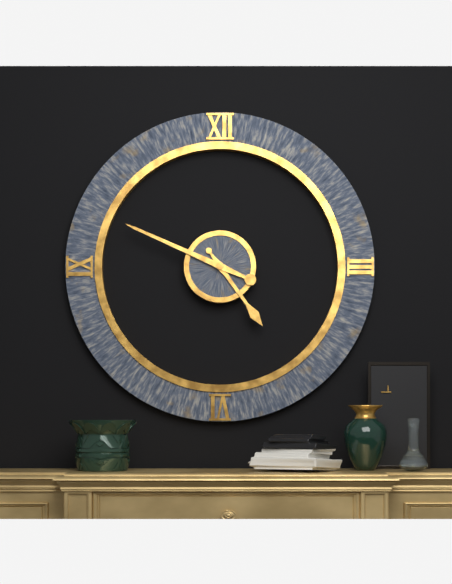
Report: {"hour": 4, "minute": 49}
